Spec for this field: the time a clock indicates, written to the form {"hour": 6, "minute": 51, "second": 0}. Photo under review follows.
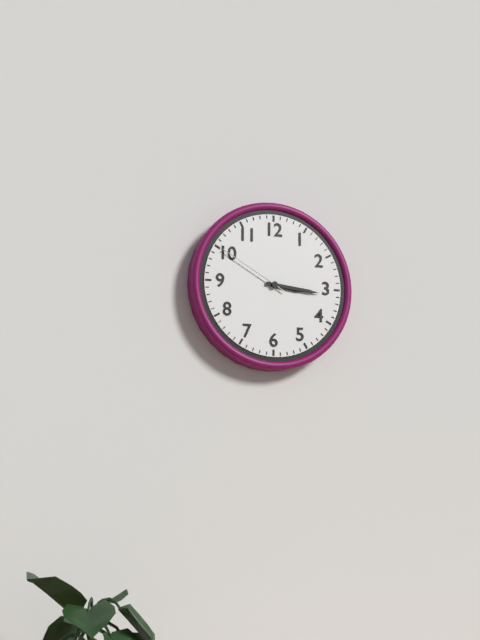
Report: {"hour": 3, "minute": 16, "second": 50}
